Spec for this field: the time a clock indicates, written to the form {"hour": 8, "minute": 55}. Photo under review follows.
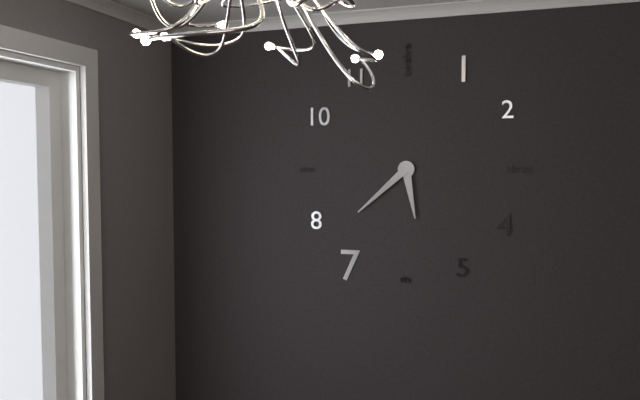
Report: {"hour": 5, "minute": 38}
